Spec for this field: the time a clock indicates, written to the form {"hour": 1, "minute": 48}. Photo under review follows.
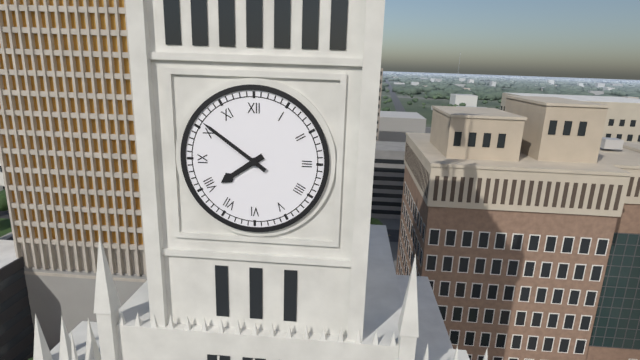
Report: {"hour": 7, "minute": 51}
